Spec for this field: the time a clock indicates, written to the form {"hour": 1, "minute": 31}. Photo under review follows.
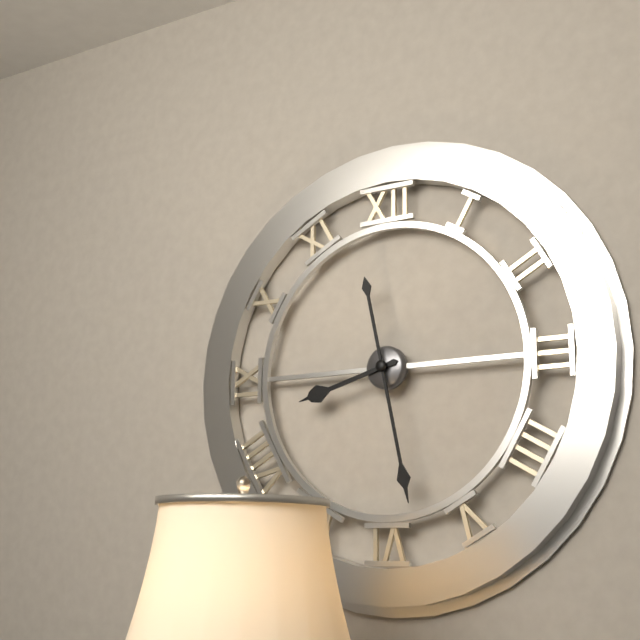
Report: {"hour": 8, "minute": 28}
